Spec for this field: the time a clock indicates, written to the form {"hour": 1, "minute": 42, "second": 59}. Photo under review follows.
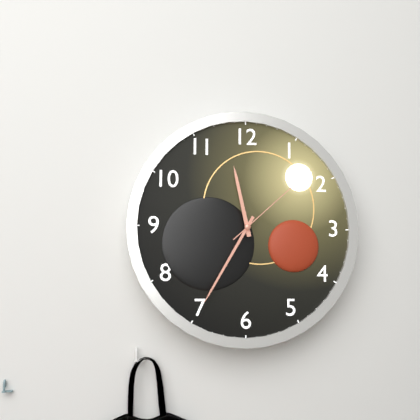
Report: {"hour": 11, "minute": 35, "second": 8}
